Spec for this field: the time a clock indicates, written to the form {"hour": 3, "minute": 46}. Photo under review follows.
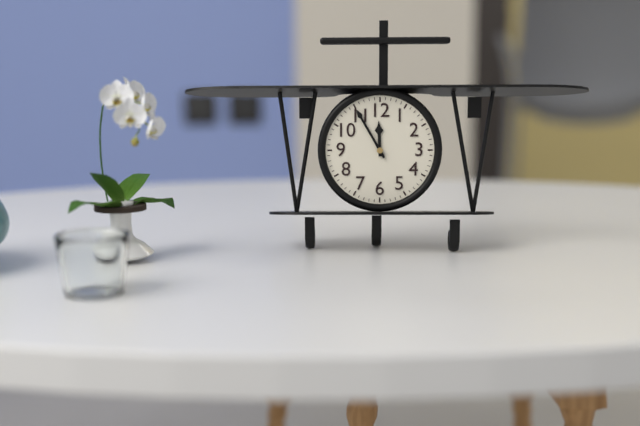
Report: {"hour": 11, "minute": 55}
